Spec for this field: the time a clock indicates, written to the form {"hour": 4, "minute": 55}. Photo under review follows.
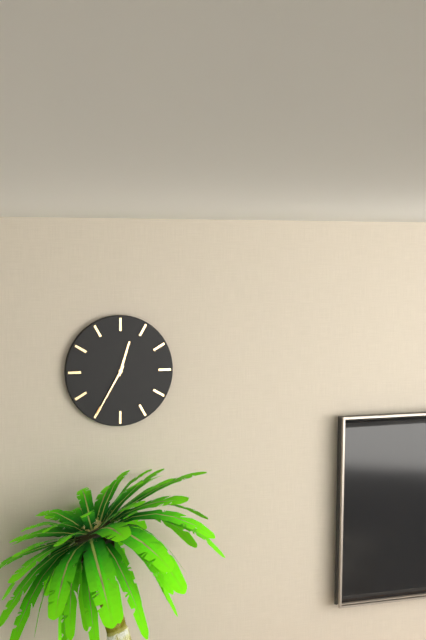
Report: {"hour": 12, "minute": 35}
